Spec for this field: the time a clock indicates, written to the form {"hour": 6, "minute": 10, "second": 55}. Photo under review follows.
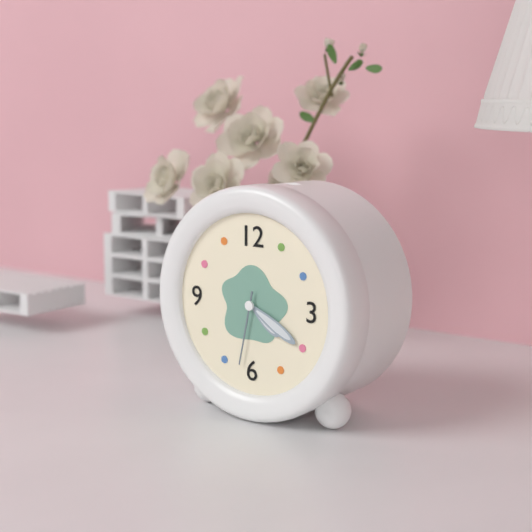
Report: {"hour": 4, "minute": 20, "second": 32}
